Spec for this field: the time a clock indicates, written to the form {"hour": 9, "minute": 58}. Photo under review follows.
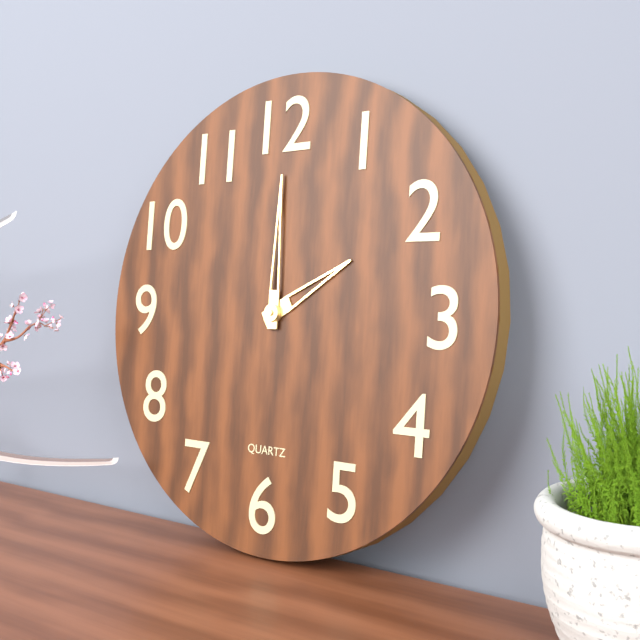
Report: {"hour": 2, "minute": 0}
